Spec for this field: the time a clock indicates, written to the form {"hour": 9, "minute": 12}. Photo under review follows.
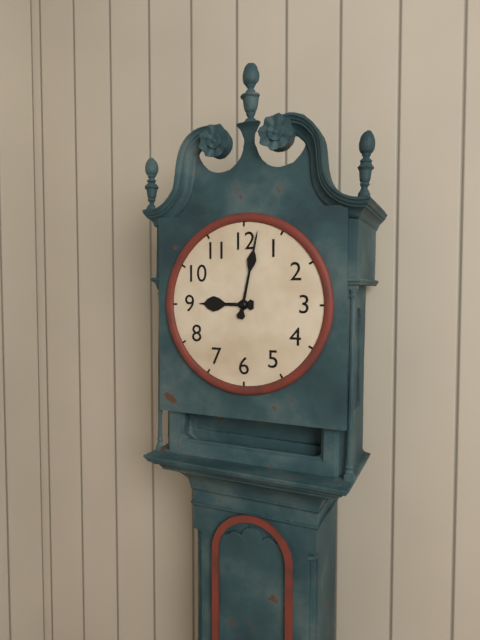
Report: {"hour": 9, "minute": 2}
